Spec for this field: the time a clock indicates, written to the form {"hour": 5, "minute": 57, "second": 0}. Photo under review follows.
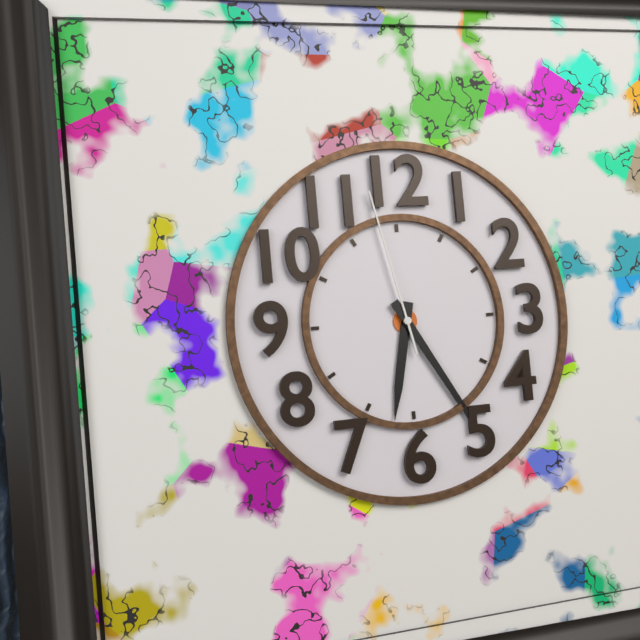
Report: {"hour": 6, "minute": 25, "second": 58}
